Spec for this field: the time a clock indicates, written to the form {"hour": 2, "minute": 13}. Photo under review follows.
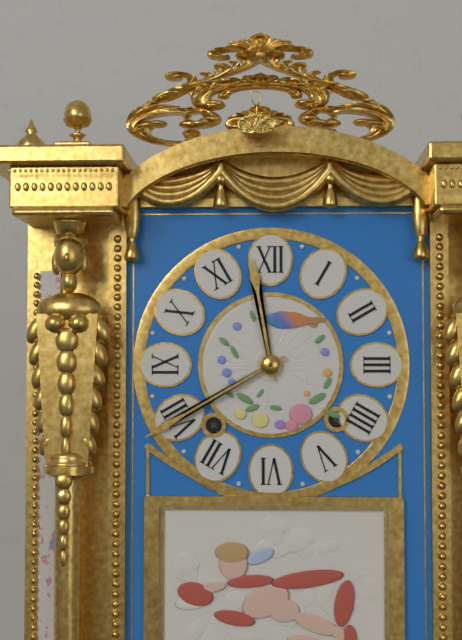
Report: {"hour": 11, "minute": 40}
